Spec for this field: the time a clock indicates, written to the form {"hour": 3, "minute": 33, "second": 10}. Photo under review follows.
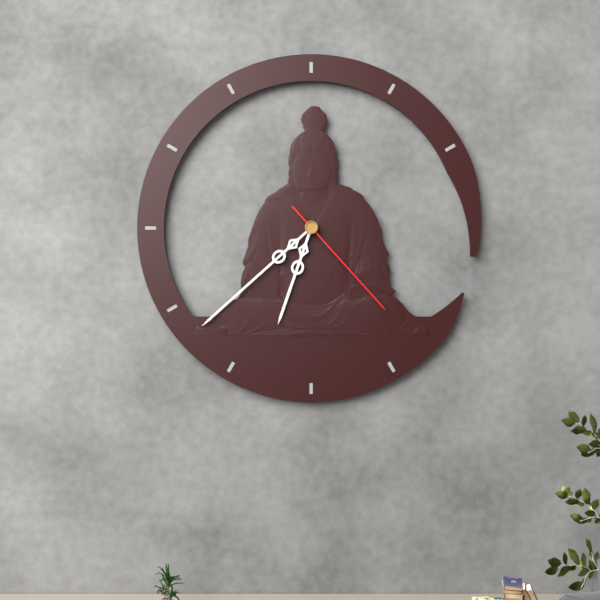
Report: {"hour": 6, "minute": 38, "second": 23}
